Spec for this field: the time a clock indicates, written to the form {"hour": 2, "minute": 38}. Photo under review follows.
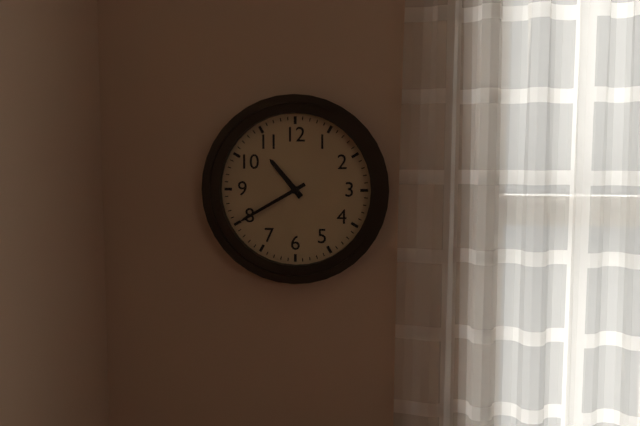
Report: {"hour": 10, "minute": 40}
